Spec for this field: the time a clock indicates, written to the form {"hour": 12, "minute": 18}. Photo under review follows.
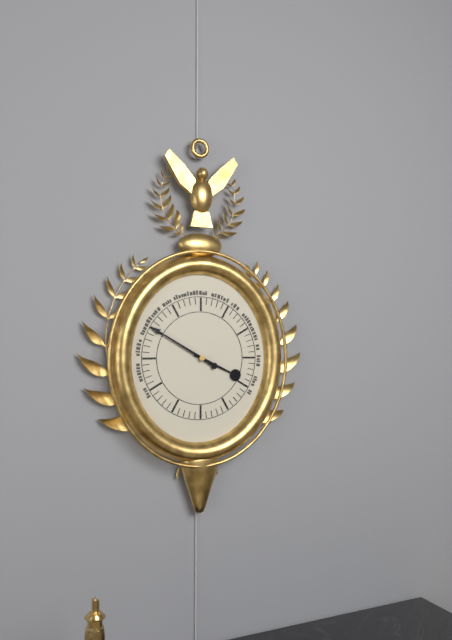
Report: {"hour": 3, "minute": 50}
